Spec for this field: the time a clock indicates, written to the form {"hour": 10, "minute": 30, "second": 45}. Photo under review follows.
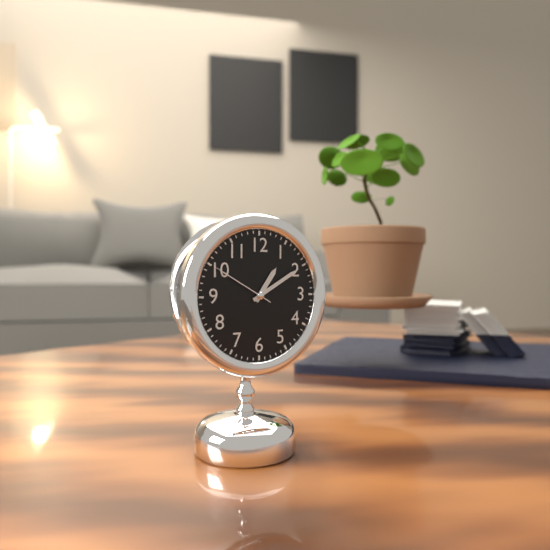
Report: {"hour": 1, "minute": 10, "second": 50}
